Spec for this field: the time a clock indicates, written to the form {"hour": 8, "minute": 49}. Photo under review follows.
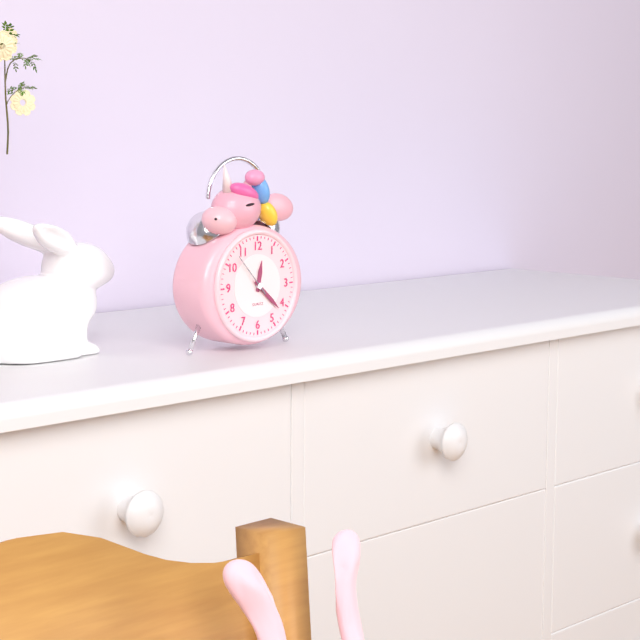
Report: {"hour": 12, "minute": 22}
